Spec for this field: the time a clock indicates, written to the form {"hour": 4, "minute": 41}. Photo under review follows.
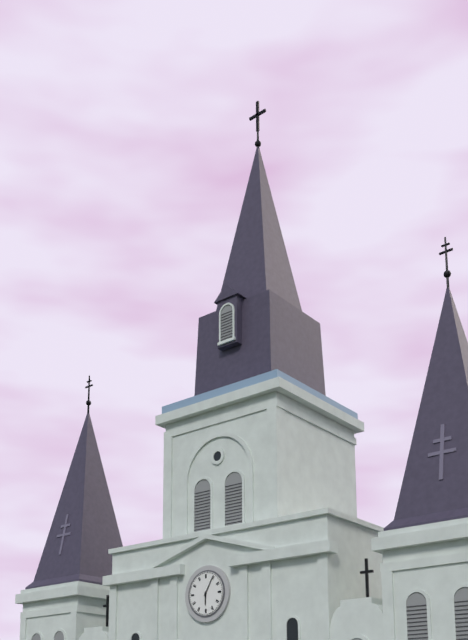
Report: {"hour": 6, "minute": 5}
